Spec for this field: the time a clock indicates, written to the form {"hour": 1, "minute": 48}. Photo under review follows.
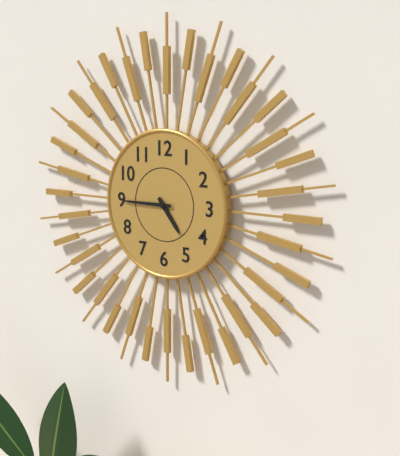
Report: {"hour": 4, "minute": 45}
